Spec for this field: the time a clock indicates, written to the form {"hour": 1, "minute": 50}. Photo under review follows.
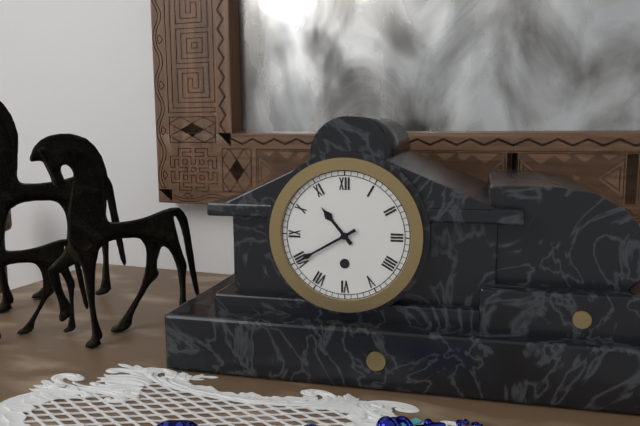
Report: {"hour": 10, "minute": 40}
